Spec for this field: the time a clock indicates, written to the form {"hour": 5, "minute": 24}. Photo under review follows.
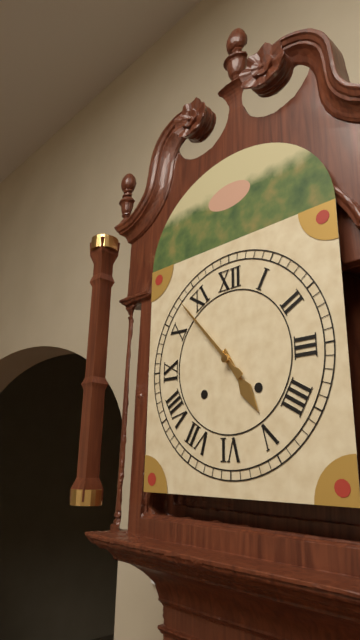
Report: {"hour": 4, "minute": 53}
